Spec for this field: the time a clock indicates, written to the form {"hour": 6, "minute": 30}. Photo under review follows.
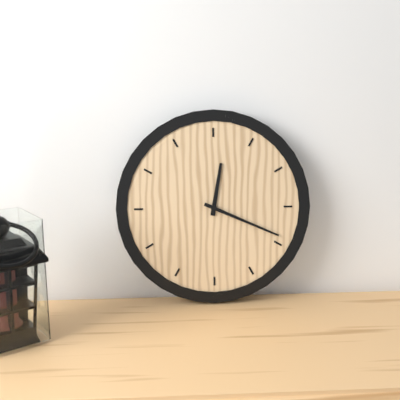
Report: {"hour": 12, "minute": 19}
